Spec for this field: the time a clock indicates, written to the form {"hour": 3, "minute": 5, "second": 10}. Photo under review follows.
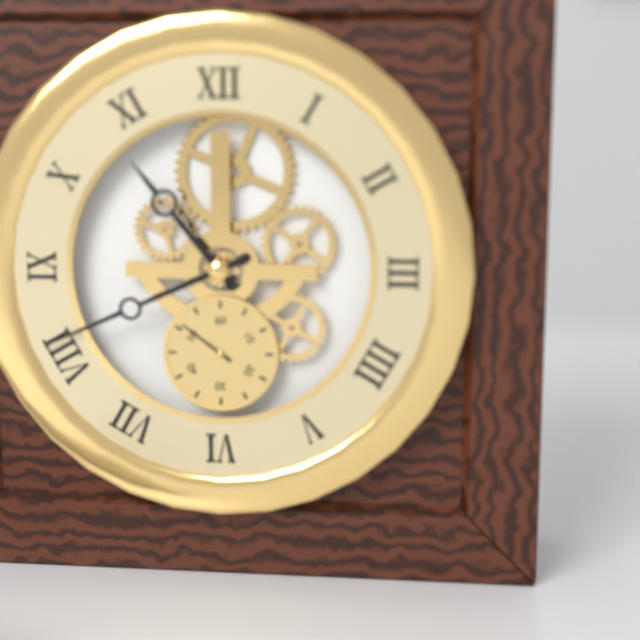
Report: {"hour": 10, "minute": 41, "second": 51}
